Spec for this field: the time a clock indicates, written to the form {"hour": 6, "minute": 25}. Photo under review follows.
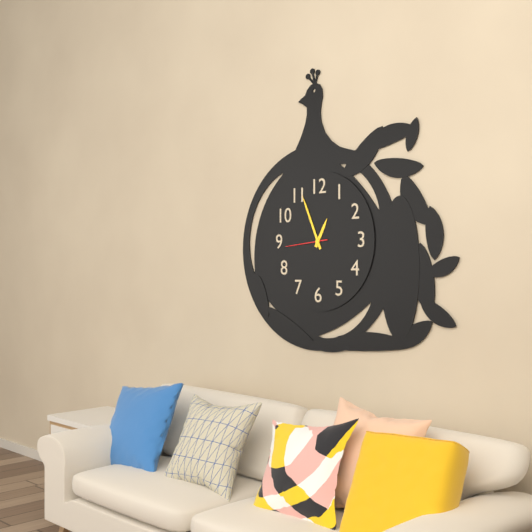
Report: {"hour": 12, "minute": 56}
